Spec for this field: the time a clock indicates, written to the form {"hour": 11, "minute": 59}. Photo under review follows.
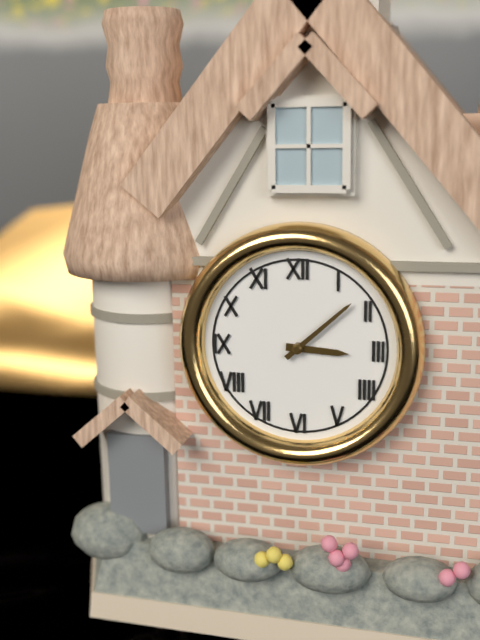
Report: {"hour": 3, "minute": 8}
